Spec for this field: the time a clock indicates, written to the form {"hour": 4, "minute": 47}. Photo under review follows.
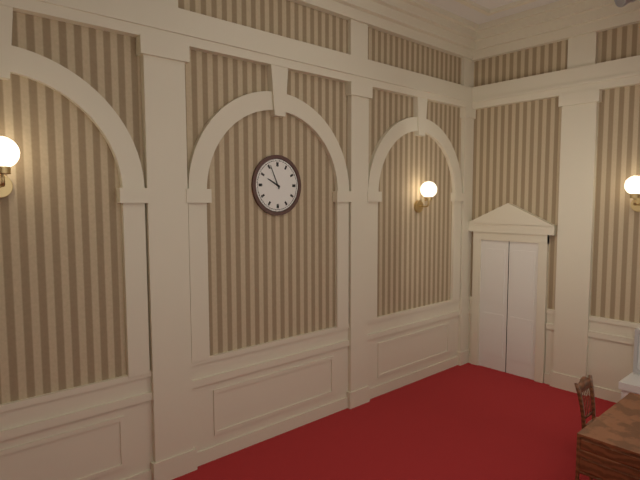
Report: {"hour": 9, "minute": 56}
